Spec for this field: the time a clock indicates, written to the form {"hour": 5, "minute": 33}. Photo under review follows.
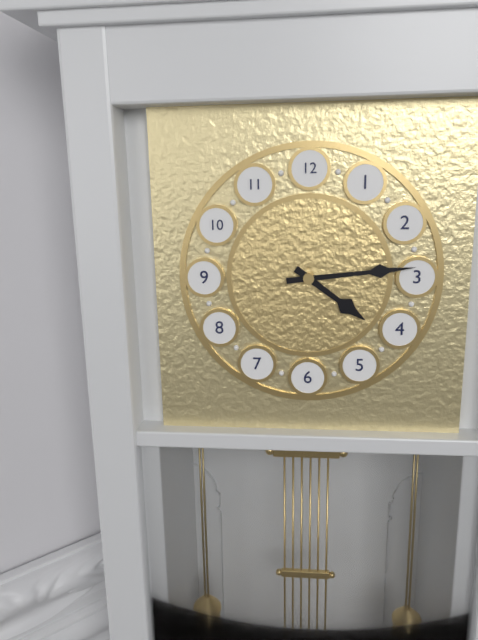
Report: {"hour": 4, "minute": 14}
